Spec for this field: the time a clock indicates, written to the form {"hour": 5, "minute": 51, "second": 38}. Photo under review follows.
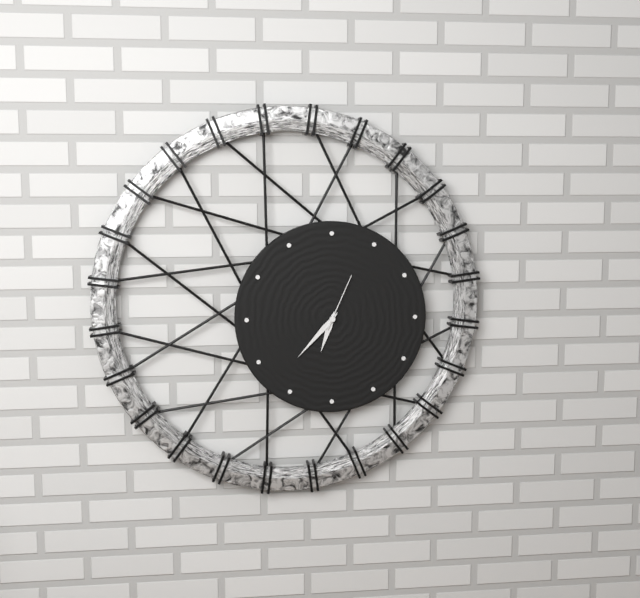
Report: {"hour": 6, "minute": 37, "second": 4}
